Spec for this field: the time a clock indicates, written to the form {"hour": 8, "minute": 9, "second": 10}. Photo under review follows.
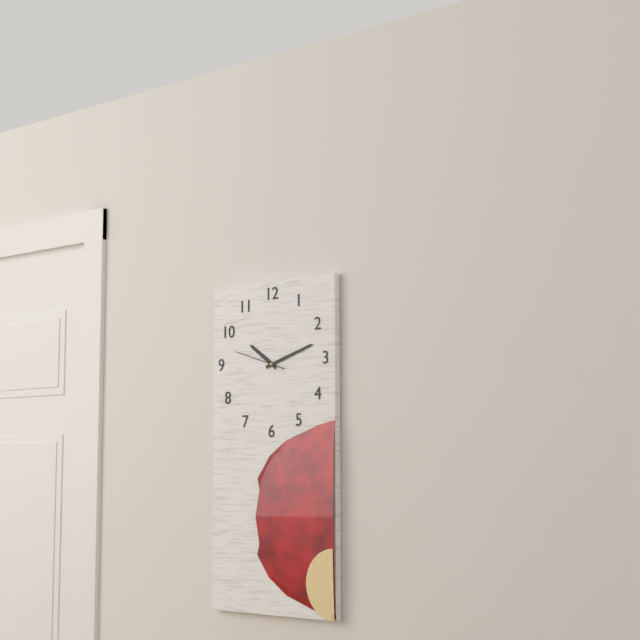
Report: {"hour": 10, "minute": 12, "second": 48}
